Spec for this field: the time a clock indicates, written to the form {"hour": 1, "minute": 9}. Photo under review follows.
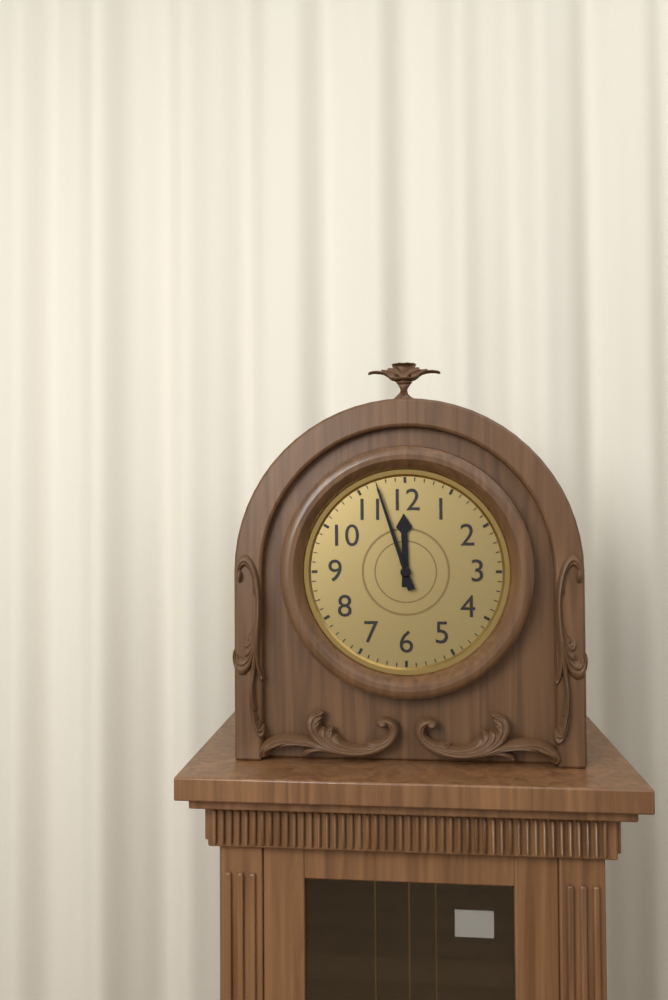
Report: {"hour": 11, "minute": 57}
